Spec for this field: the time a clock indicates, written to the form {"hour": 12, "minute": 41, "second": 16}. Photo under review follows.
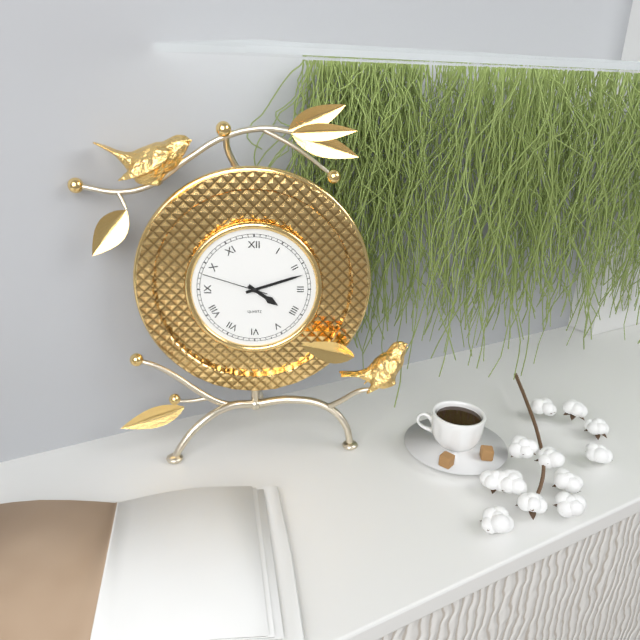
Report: {"hour": 4, "minute": 12, "second": 48}
